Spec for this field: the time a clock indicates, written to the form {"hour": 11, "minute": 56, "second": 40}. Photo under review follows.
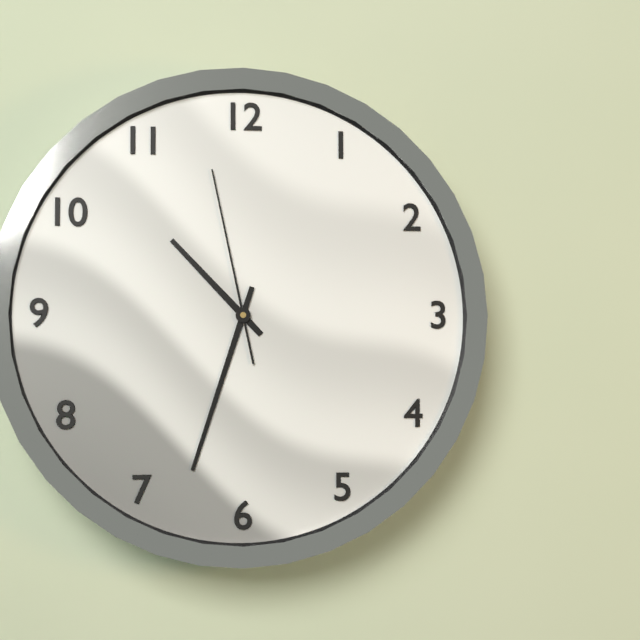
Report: {"hour": 10, "minute": 33, "second": 58}
